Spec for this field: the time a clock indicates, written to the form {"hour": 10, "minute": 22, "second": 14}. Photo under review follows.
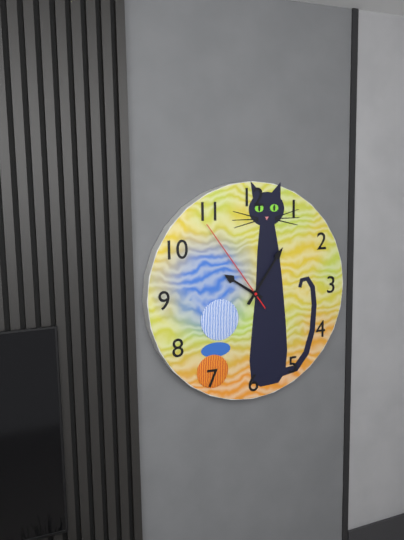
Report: {"hour": 10, "minute": 6, "second": 54}
